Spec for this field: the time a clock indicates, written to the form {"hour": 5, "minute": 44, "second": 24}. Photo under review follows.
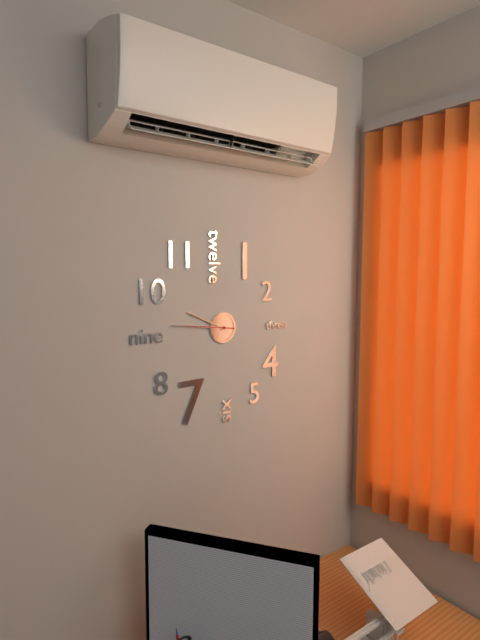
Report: {"hour": 9, "minute": 46, "second": 46}
